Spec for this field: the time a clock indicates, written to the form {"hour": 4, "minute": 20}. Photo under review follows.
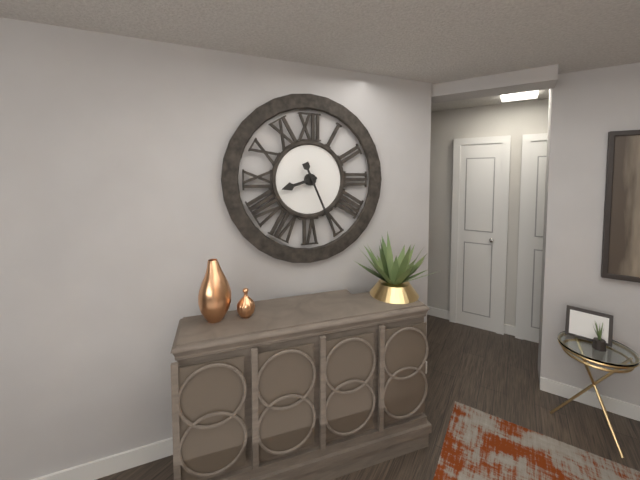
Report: {"hour": 8, "minute": 26}
